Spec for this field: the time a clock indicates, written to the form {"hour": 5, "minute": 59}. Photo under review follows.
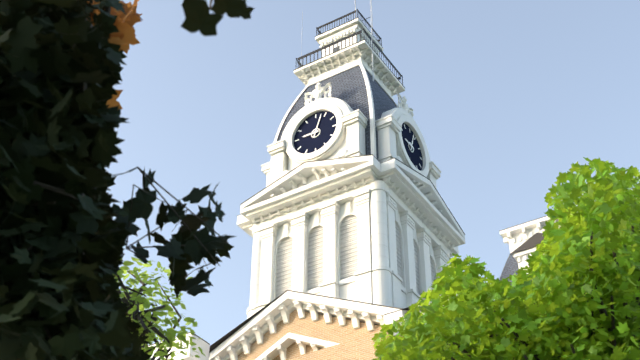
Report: {"hour": 9, "minute": 3}
